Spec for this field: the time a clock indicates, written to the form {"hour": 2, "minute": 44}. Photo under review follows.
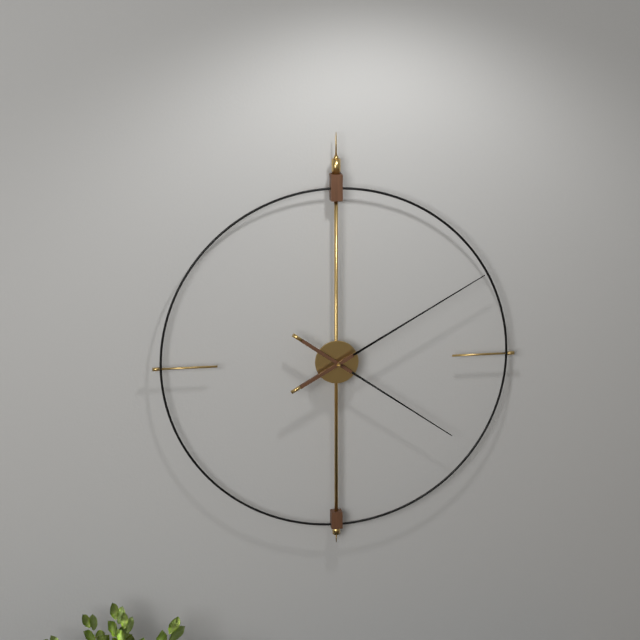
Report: {"hour": 4, "minute": 10}
